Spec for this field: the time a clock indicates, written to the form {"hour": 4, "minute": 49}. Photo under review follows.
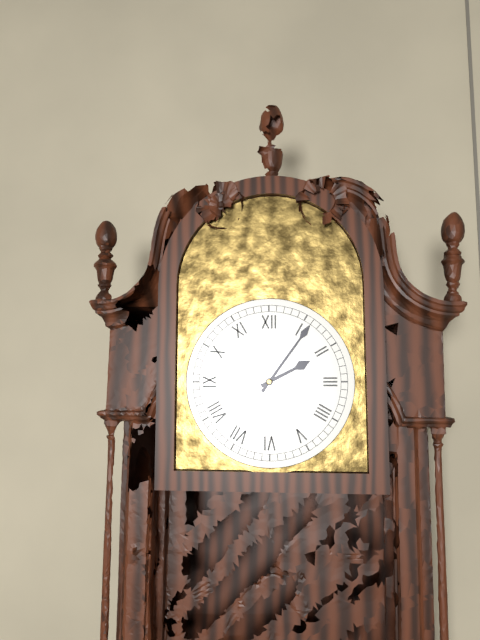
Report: {"hour": 2, "minute": 6}
